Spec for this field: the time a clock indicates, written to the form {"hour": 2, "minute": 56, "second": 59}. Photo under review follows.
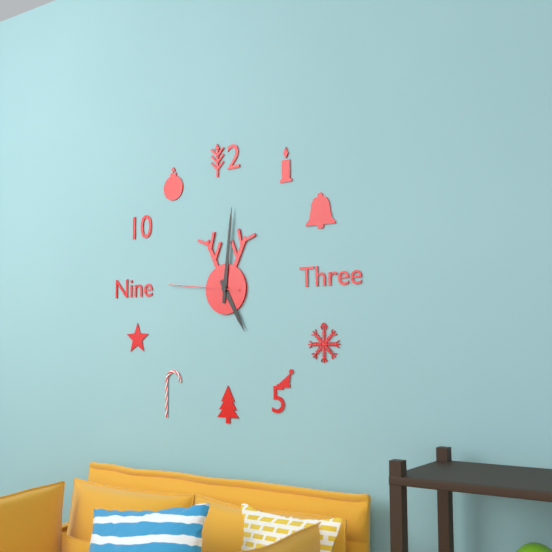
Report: {"hour": 5, "minute": 1, "second": 46}
